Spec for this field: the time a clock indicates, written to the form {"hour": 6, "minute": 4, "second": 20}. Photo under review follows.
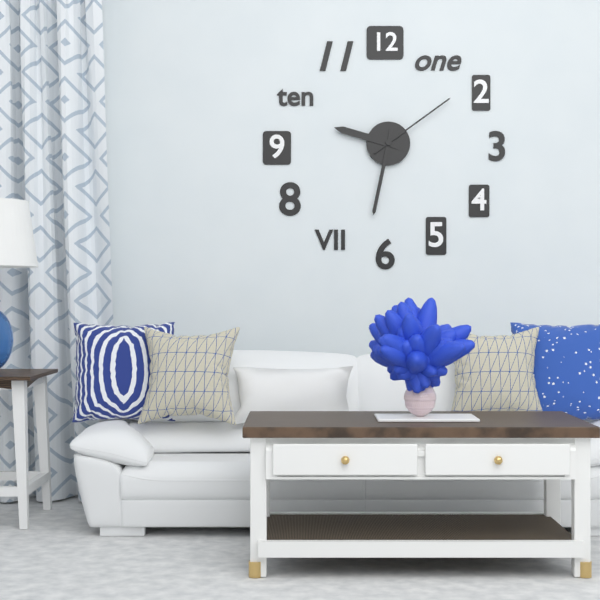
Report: {"hour": 9, "minute": 32, "second": 9}
